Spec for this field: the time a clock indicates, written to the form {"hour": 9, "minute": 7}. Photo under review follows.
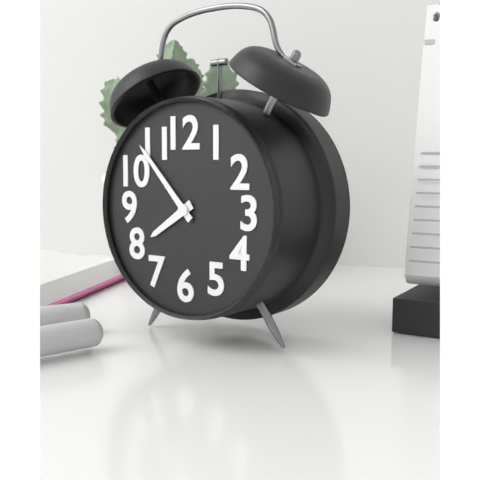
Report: {"hour": 7, "minute": 53}
